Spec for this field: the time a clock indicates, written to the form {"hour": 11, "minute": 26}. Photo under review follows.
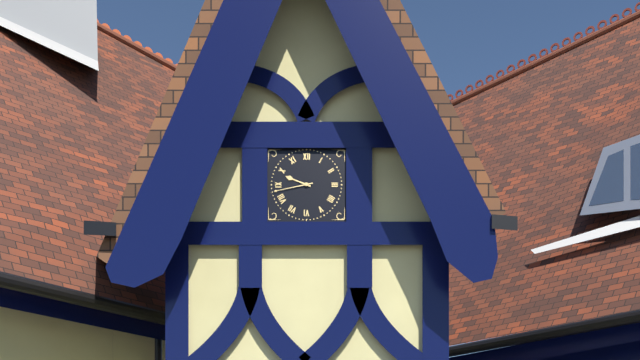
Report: {"hour": 9, "minute": 43}
